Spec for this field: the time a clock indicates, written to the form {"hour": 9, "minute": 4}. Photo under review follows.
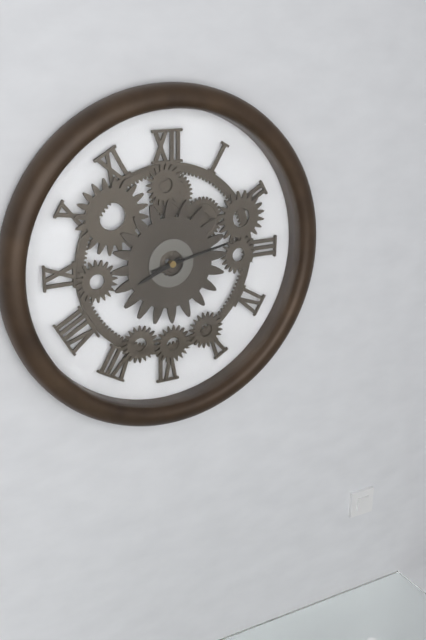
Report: {"hour": 8, "minute": 13}
